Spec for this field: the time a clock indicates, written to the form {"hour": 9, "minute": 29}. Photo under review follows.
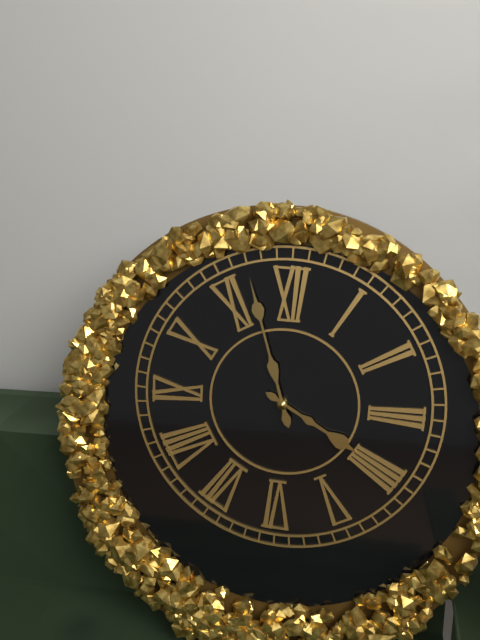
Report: {"hour": 3, "minute": 57}
